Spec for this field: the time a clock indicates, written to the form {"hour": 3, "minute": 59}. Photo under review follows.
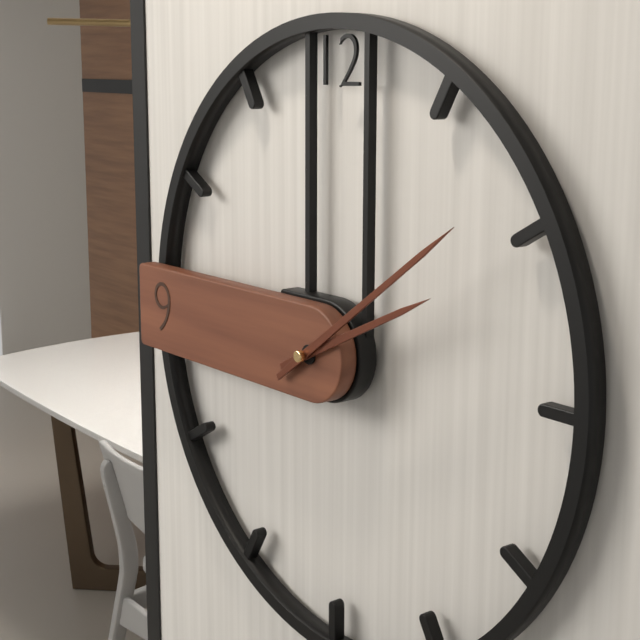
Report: {"hour": 2, "minute": 9}
